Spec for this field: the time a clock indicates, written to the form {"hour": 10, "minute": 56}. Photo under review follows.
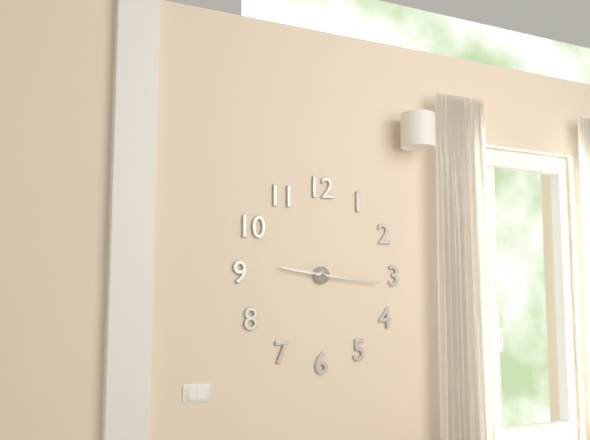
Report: {"hour": 9, "minute": 16}
